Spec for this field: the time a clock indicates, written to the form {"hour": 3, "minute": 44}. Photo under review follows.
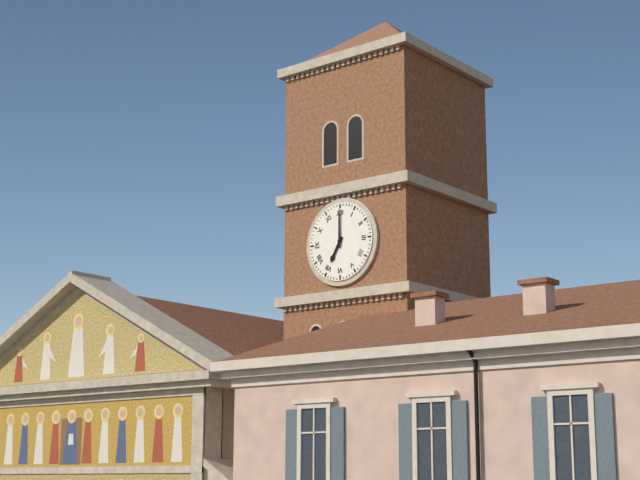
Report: {"hour": 7, "minute": 0}
